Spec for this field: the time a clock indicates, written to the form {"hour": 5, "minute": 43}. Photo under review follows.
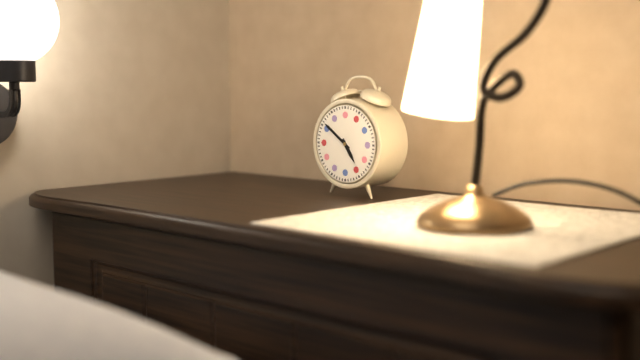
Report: {"hour": 4, "minute": 51}
